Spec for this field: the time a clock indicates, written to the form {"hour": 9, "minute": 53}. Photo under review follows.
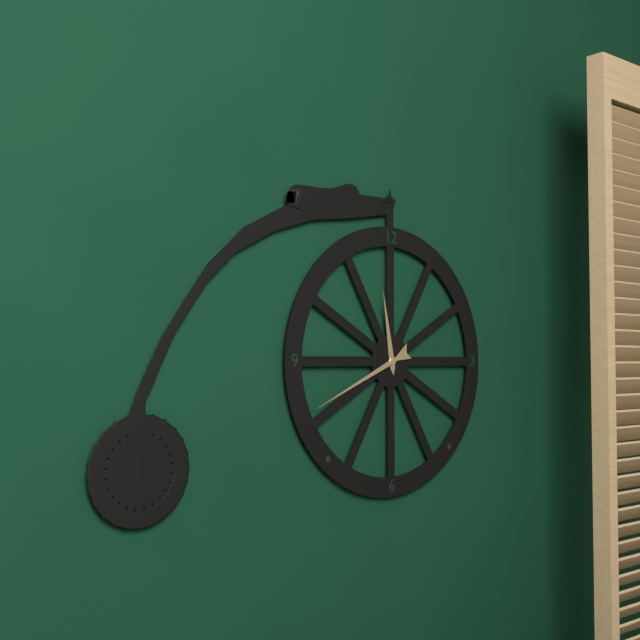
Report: {"hour": 11, "minute": 41}
